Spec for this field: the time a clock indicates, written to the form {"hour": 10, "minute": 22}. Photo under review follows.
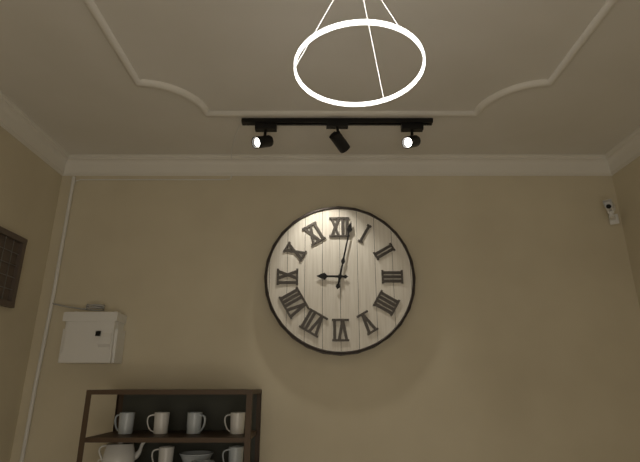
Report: {"hour": 9, "minute": 2}
